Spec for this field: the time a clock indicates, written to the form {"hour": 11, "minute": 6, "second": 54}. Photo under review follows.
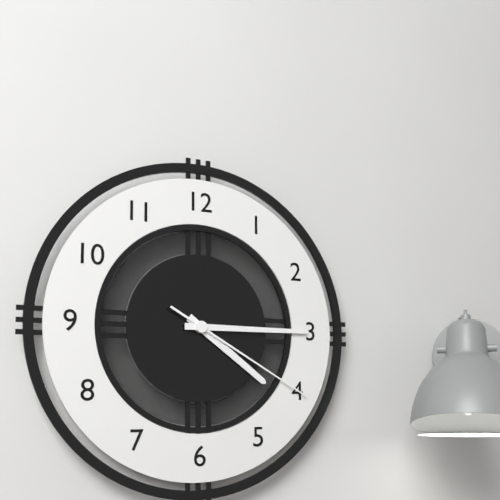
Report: {"hour": 4, "minute": 15, "second": 20}
